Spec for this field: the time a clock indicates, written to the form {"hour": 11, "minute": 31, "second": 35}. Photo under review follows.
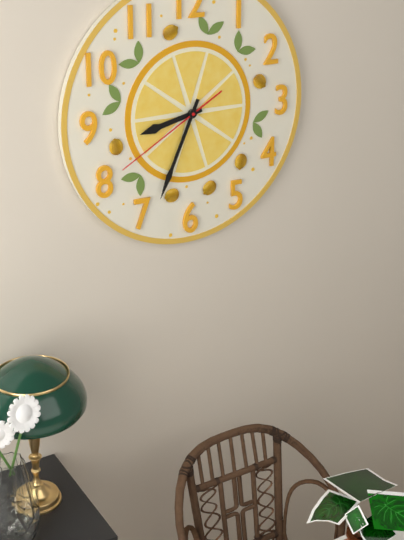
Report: {"hour": 8, "minute": 34, "second": 40}
